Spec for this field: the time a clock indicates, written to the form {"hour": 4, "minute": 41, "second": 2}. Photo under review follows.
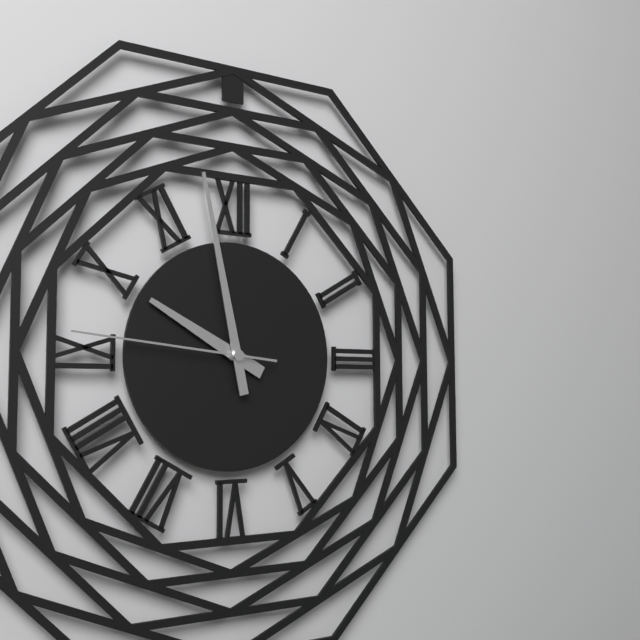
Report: {"hour": 9, "minute": 58, "second": 46}
